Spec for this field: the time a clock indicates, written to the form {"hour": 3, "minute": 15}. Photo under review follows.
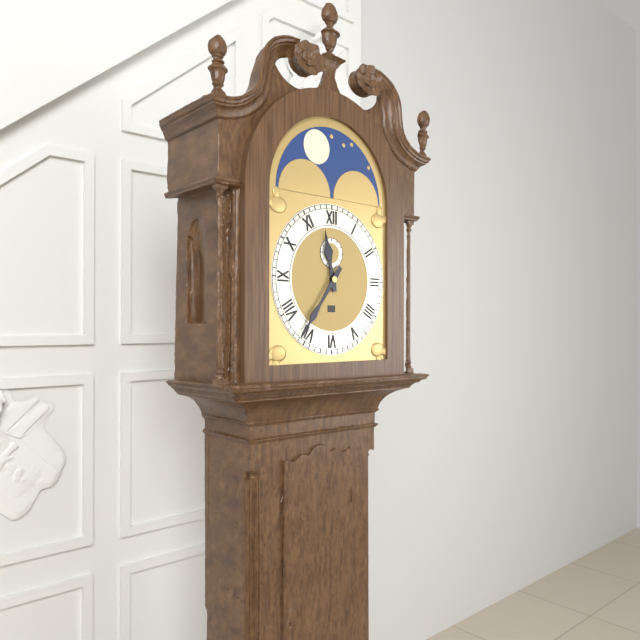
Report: {"hour": 11, "minute": 36}
